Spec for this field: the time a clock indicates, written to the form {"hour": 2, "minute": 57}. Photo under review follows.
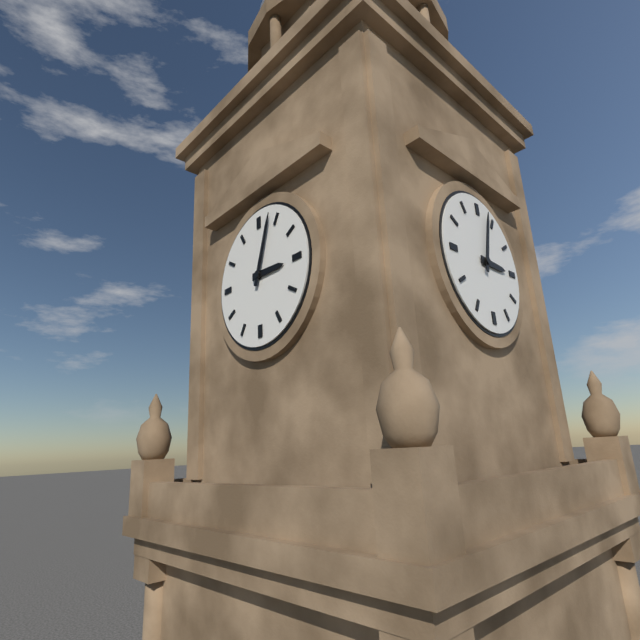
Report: {"hour": 3, "minute": 3}
